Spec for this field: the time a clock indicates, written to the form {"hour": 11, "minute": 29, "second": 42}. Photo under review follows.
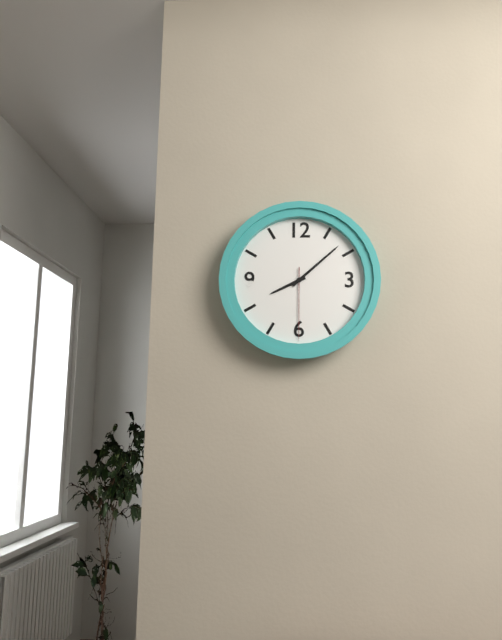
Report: {"hour": 8, "minute": 8, "second": 30}
